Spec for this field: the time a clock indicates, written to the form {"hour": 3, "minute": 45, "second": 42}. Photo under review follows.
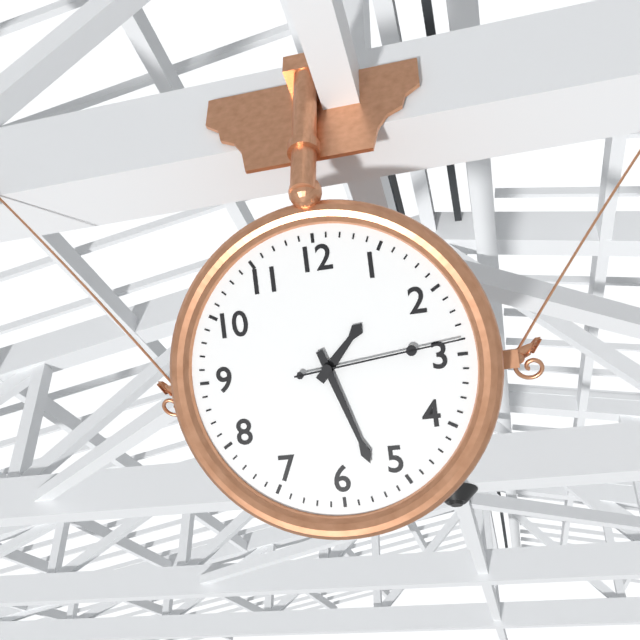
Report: {"hour": 1, "minute": 27, "second": 14}
